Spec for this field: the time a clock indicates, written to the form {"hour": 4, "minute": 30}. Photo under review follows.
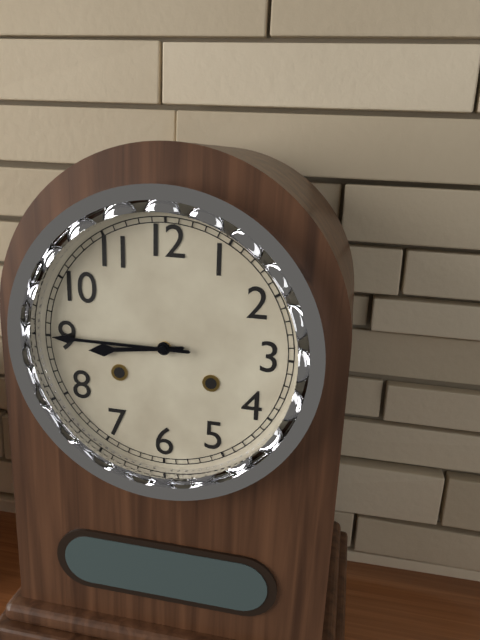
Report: {"hour": 8, "minute": 45}
